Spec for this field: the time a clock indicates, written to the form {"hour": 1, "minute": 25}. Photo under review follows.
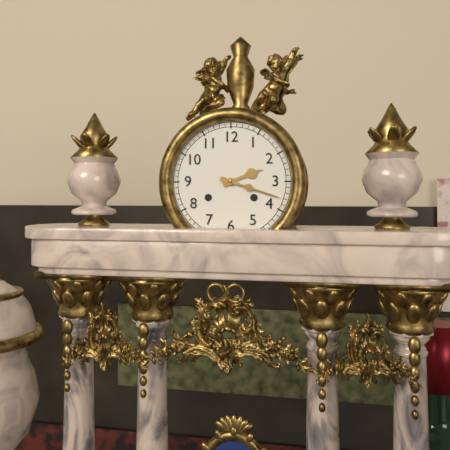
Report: {"hour": 2, "minute": 18}
